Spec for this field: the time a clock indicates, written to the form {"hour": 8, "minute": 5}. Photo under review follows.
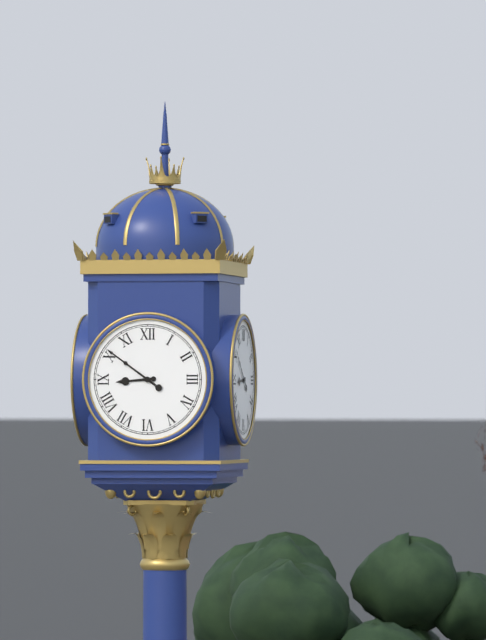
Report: {"hour": 8, "minute": 51}
